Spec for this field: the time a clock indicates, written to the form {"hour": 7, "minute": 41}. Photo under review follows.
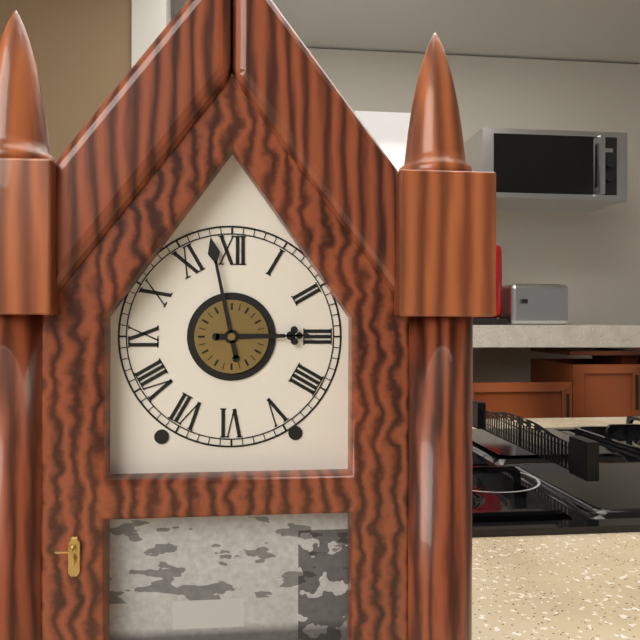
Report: {"hour": 2, "minute": 58}
